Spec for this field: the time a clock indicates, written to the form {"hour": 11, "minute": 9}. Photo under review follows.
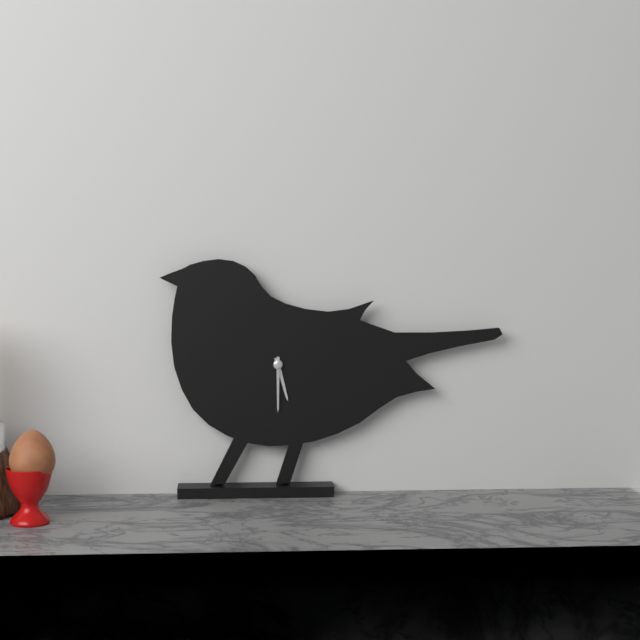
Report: {"hour": 5, "minute": 30}
